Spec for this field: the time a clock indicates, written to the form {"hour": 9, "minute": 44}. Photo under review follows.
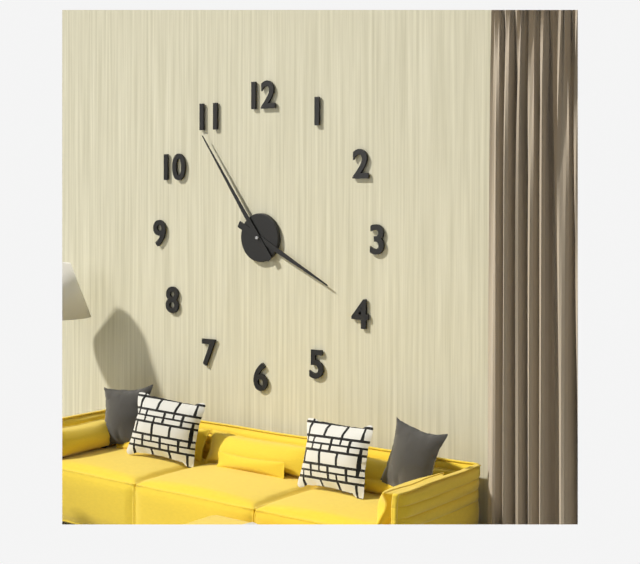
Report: {"hour": 3, "minute": 54}
